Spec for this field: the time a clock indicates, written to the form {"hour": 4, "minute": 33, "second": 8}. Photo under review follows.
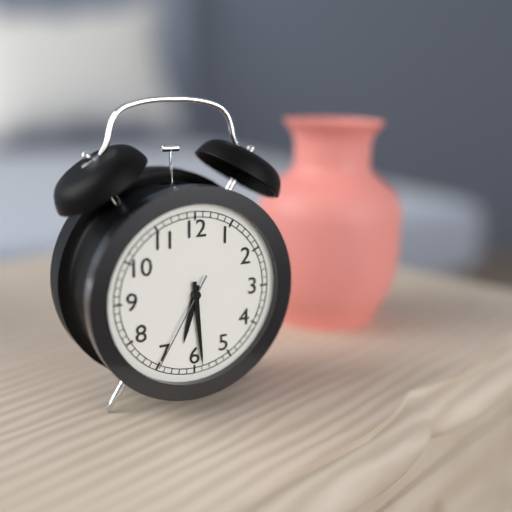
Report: {"hour": 6, "minute": 29, "second": 35}
